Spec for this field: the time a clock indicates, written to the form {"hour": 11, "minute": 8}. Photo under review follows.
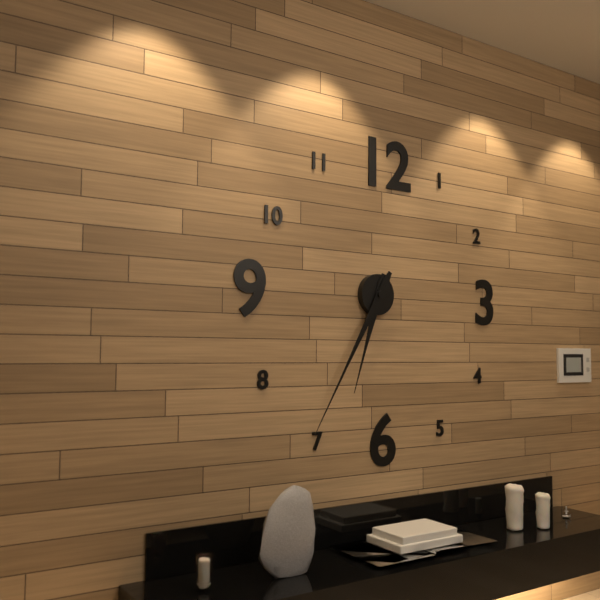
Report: {"hour": 6, "minute": 35}
